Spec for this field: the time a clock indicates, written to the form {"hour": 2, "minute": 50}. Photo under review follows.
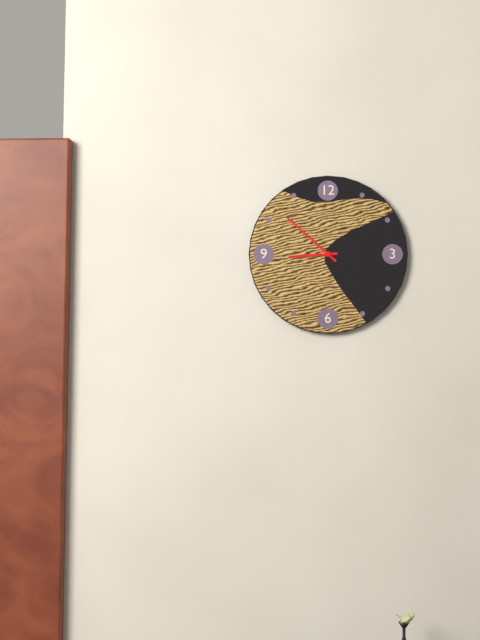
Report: {"hour": 8, "minute": 52}
